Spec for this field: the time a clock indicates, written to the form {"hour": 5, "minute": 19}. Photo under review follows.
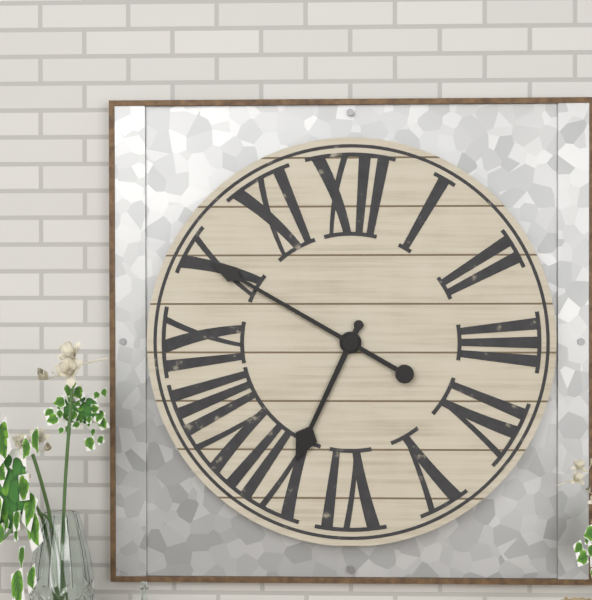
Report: {"hour": 6, "minute": 50}
